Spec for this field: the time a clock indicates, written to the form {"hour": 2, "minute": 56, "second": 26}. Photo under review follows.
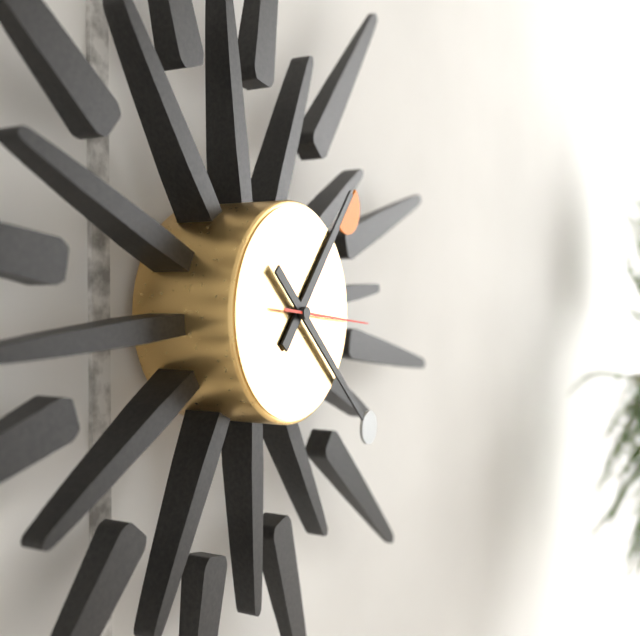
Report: {"hour": 1, "minute": 22, "second": 16}
